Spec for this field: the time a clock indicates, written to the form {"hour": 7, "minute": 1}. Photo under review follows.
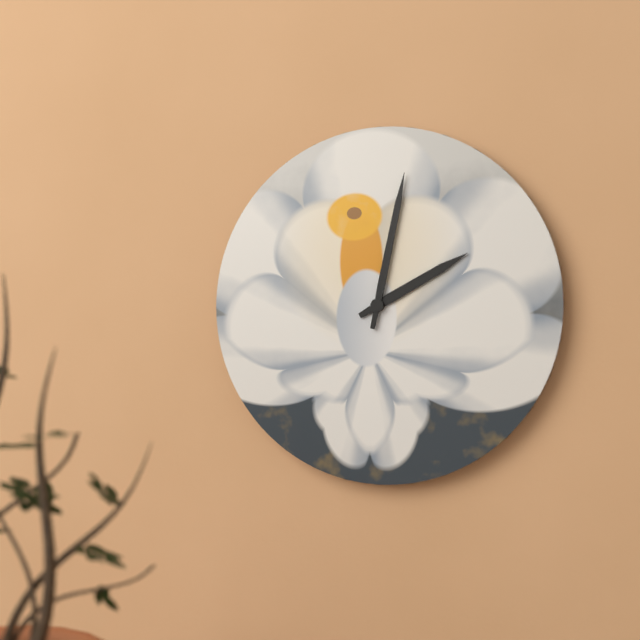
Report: {"hour": 2, "minute": 2}
